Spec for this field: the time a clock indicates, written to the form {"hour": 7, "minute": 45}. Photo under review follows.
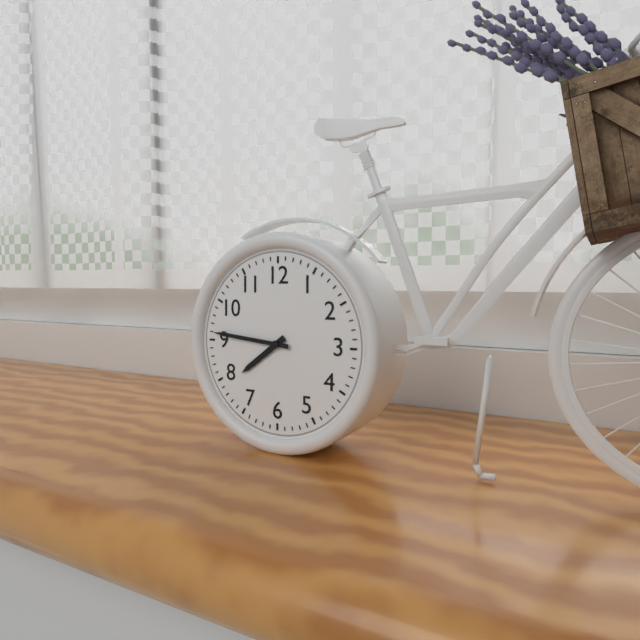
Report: {"hour": 7, "minute": 46}
